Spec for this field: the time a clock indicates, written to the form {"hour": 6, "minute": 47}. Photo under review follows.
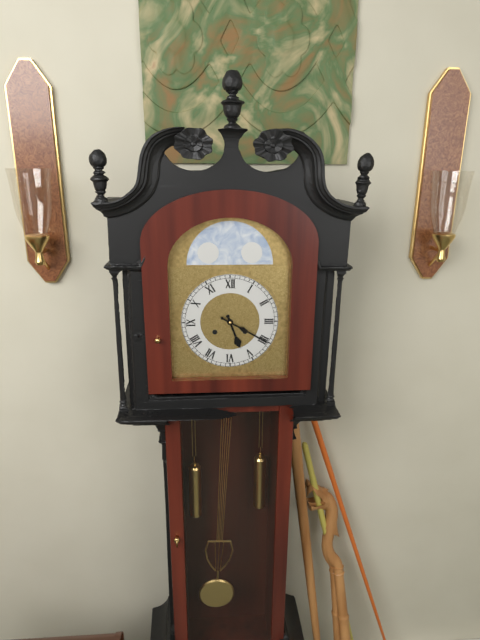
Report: {"hour": 5, "minute": 20}
